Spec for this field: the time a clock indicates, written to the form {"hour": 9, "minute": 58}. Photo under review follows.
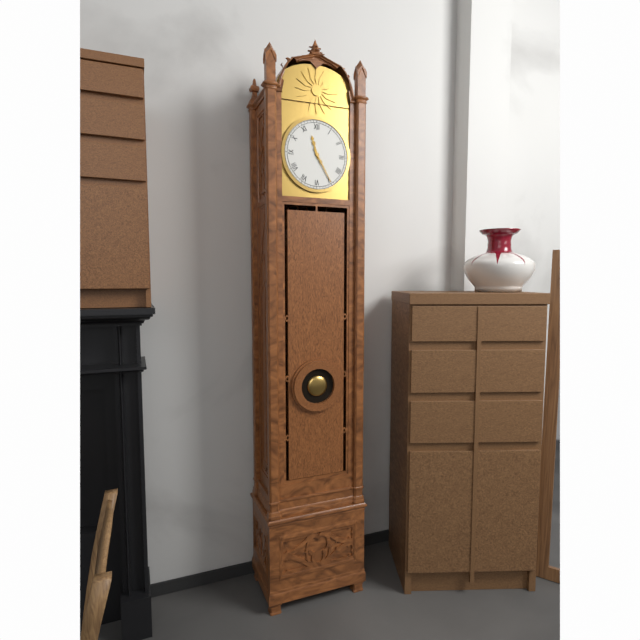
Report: {"hour": 11, "minute": 25}
